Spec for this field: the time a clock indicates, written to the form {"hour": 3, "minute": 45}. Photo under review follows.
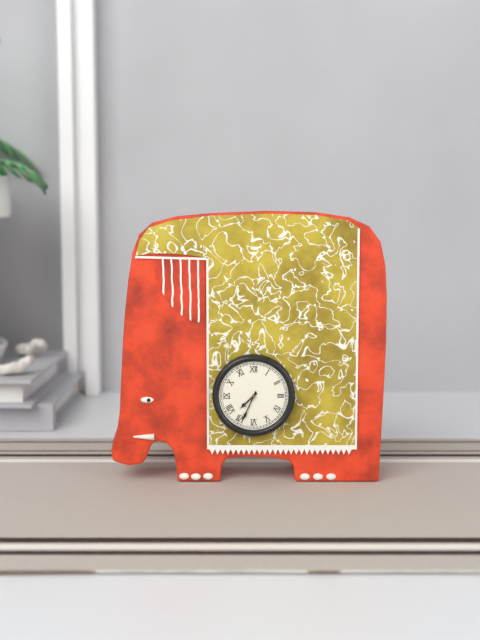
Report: {"hour": 7, "minute": 34}
